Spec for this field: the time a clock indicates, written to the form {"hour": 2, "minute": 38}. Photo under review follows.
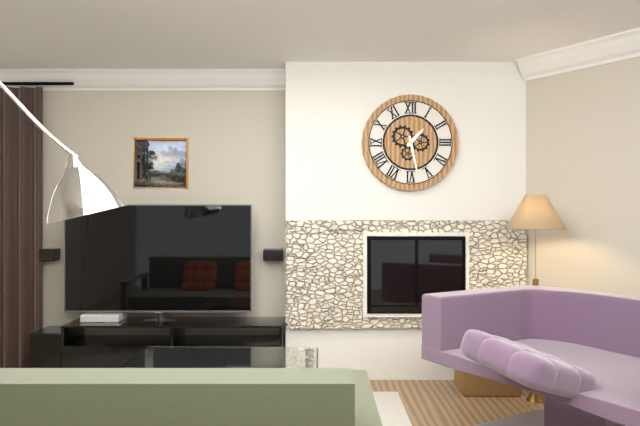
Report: {"hour": 1, "minute": 28}
